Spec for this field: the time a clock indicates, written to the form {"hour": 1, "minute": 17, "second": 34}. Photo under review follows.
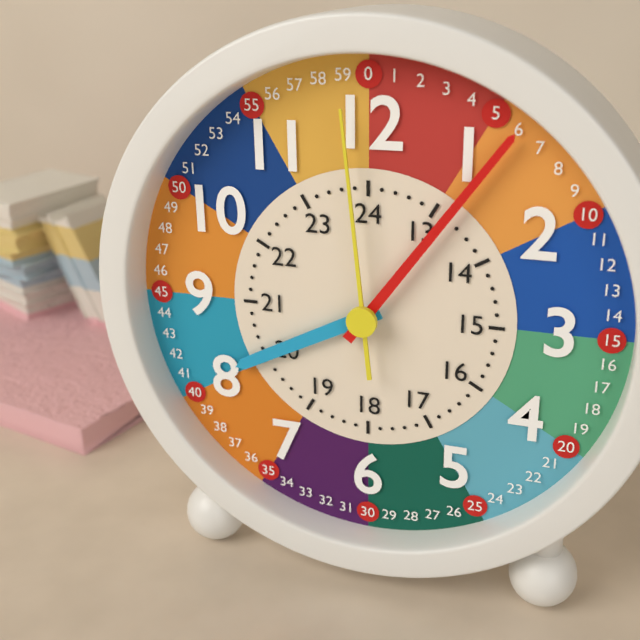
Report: {"hour": 8, "minute": 6, "second": 59}
